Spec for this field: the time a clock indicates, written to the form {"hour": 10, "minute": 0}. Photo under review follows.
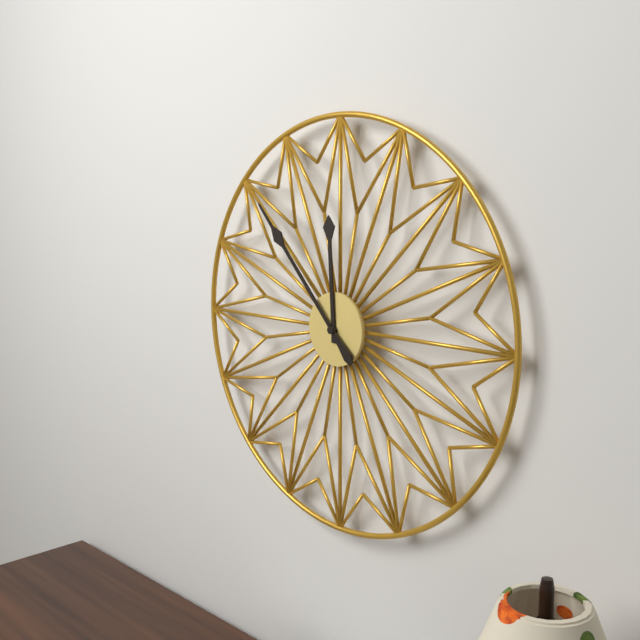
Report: {"hour": 11, "minute": 53}
